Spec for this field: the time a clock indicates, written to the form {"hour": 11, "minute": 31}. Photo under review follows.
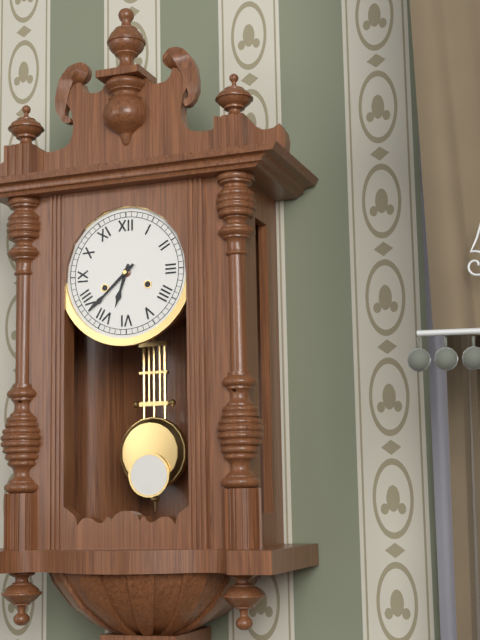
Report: {"hour": 6, "minute": 38}
